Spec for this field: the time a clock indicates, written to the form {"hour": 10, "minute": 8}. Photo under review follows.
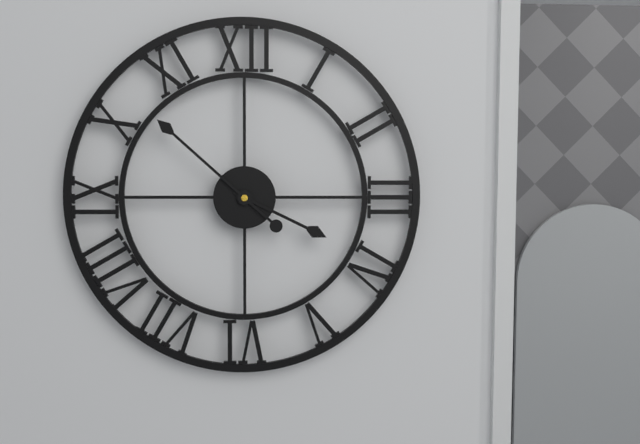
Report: {"hour": 3, "minute": 52}
